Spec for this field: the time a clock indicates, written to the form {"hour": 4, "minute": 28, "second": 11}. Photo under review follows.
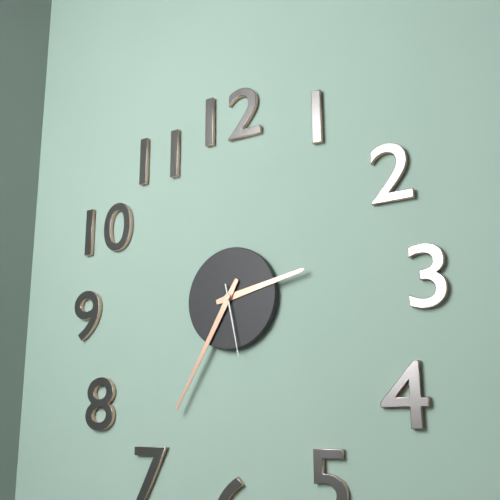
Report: {"hour": 2, "minute": 35, "second": 28}
